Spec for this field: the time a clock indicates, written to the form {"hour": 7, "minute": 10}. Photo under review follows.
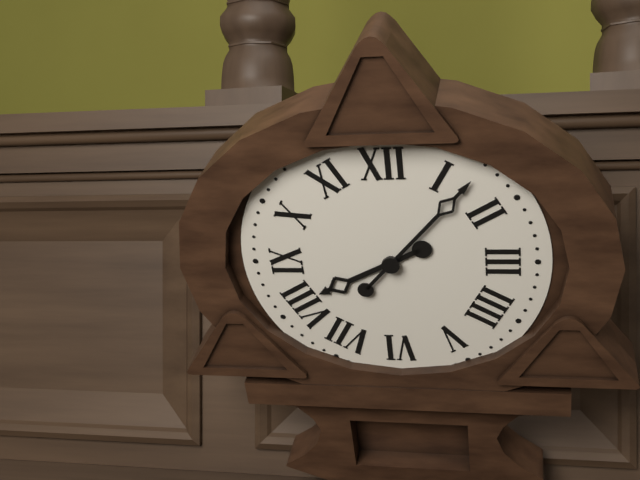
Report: {"hour": 8, "minute": 7}
